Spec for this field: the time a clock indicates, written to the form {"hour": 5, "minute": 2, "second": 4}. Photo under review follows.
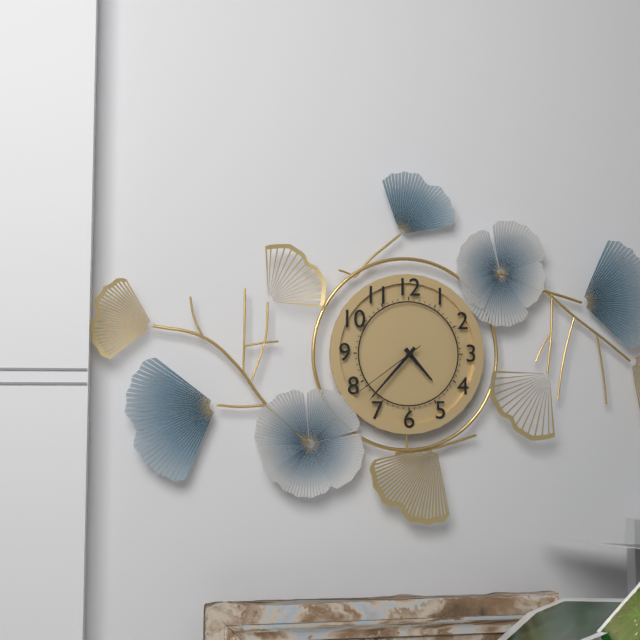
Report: {"hour": 4, "minute": 37, "second": 39}
